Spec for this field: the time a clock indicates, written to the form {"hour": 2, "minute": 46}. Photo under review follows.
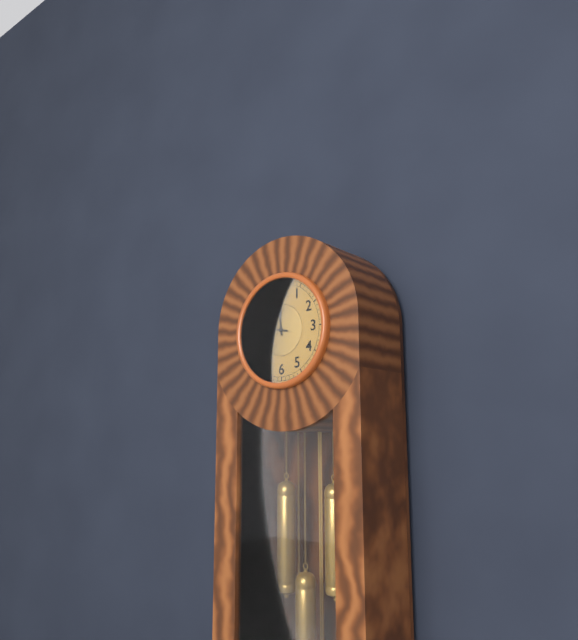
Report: {"hour": 11, "minute": 47}
